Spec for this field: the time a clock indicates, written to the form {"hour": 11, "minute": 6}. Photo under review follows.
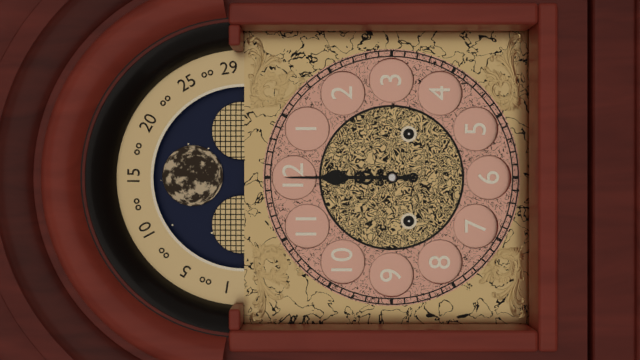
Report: {"hour": 12, "minute": 0}
